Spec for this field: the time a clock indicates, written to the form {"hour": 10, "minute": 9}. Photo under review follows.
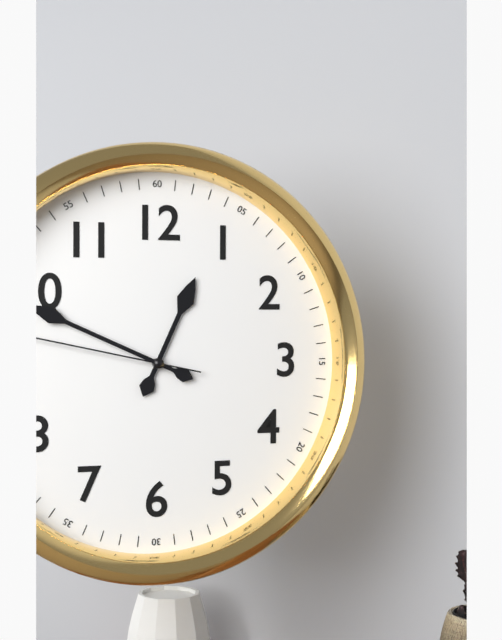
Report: {"hour": 12, "minute": 49}
